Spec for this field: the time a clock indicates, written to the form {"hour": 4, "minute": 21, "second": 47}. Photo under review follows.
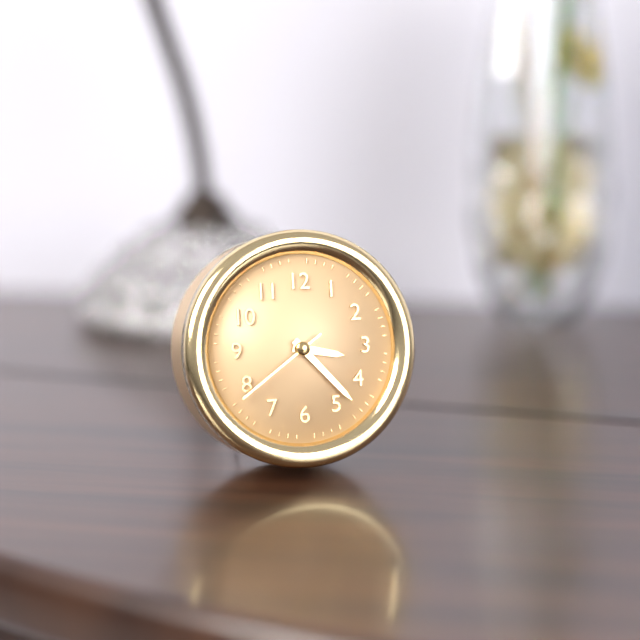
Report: {"hour": 3, "minute": 23, "second": 39}
